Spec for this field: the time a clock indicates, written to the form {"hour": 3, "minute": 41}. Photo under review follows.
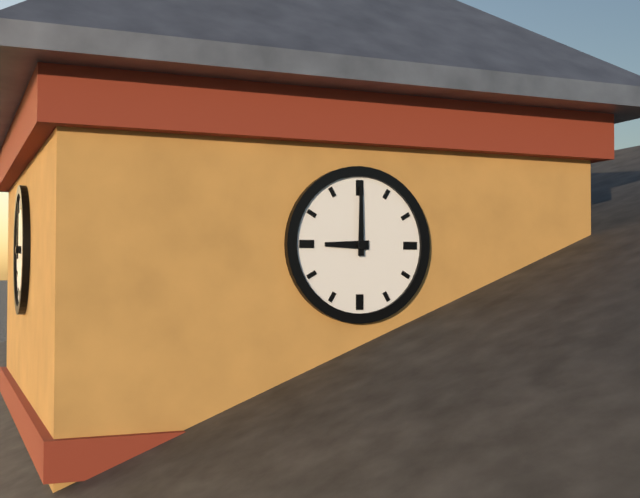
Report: {"hour": 9, "minute": 0}
